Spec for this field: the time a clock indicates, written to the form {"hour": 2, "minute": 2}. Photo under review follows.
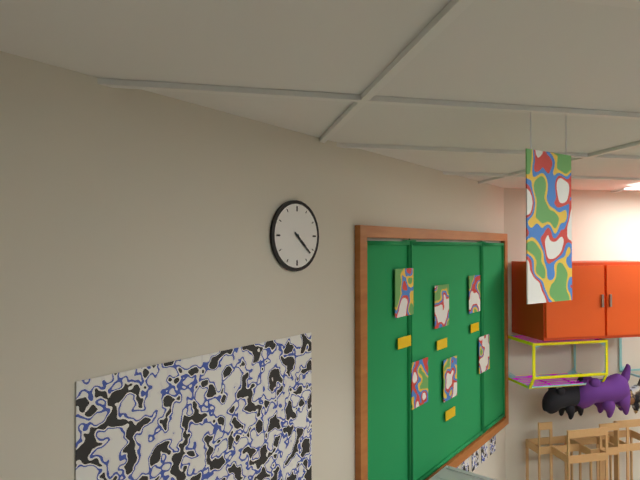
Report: {"hour": 4, "minute": 22}
